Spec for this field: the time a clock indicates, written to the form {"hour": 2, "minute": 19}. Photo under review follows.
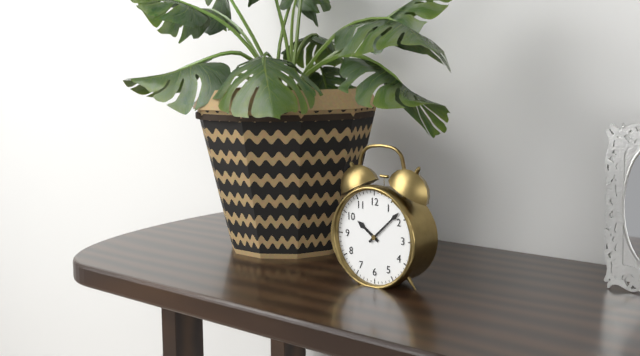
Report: {"hour": 10, "minute": 8}
